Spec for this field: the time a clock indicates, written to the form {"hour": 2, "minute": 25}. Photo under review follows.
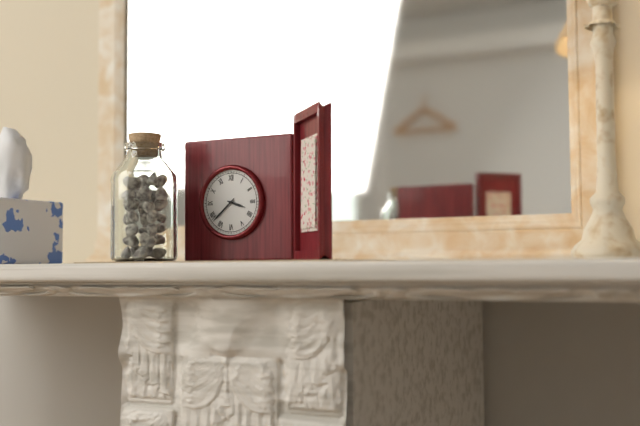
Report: {"hour": 3, "minute": 38}
